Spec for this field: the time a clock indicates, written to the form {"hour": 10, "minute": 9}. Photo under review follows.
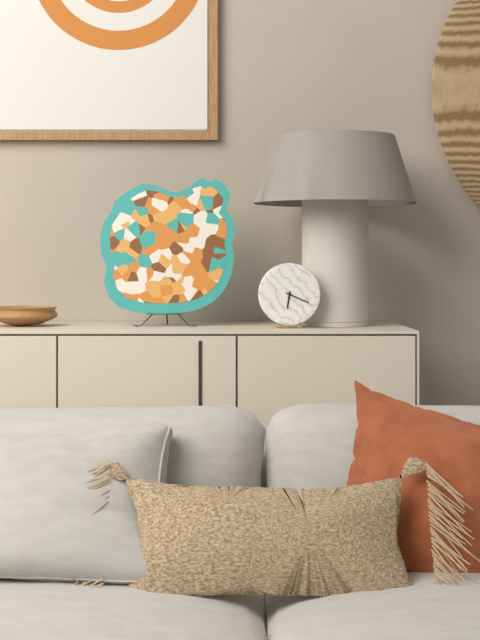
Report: {"hour": 6, "minute": 19}
